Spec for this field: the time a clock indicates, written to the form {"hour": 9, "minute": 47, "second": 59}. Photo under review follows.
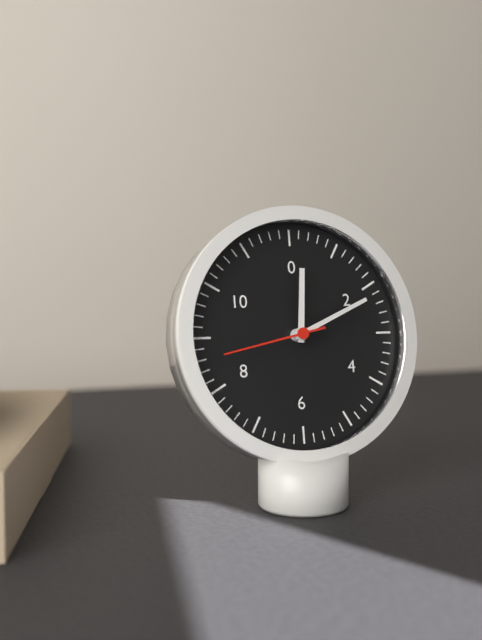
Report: {"hour": 12, "minute": 11, "second": 43}
